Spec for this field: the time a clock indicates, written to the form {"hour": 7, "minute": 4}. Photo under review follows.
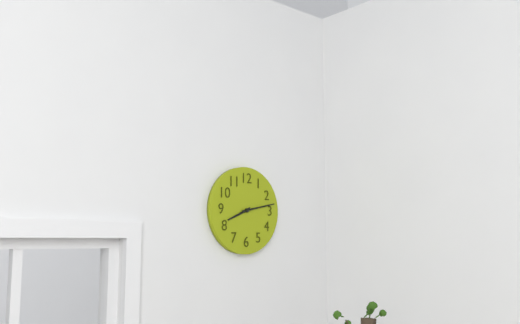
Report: {"hour": 8, "minute": 13}
